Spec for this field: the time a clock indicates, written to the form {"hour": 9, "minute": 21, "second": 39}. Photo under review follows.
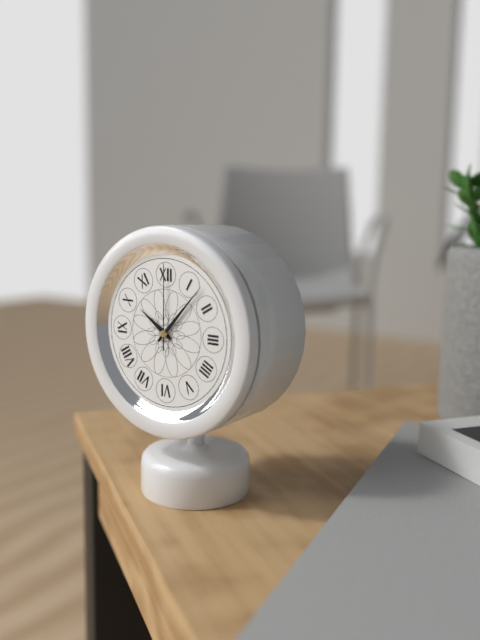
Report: {"hour": 10, "minute": 7, "second": 0}
